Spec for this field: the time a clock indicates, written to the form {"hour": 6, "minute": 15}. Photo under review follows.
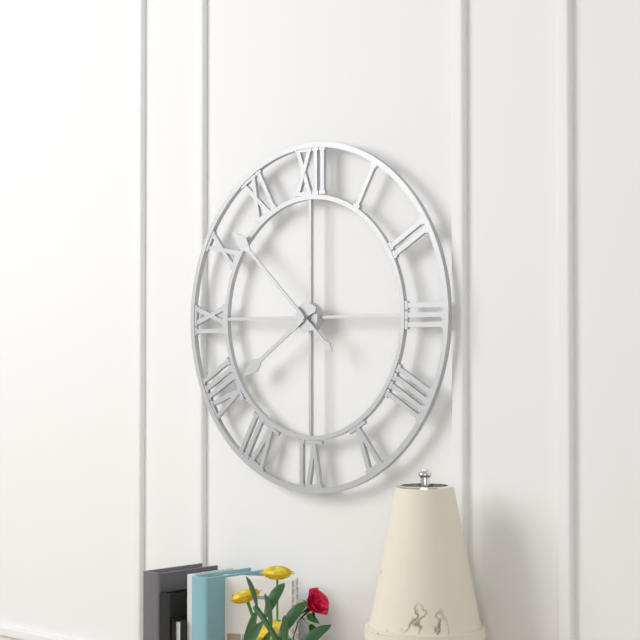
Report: {"hour": 7, "minute": 52}
